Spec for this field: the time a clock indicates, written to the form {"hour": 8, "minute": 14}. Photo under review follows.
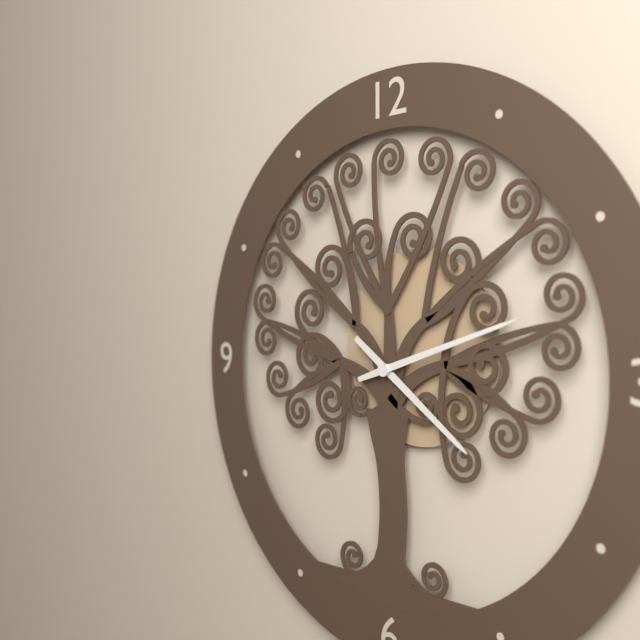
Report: {"hour": 4, "minute": 12}
